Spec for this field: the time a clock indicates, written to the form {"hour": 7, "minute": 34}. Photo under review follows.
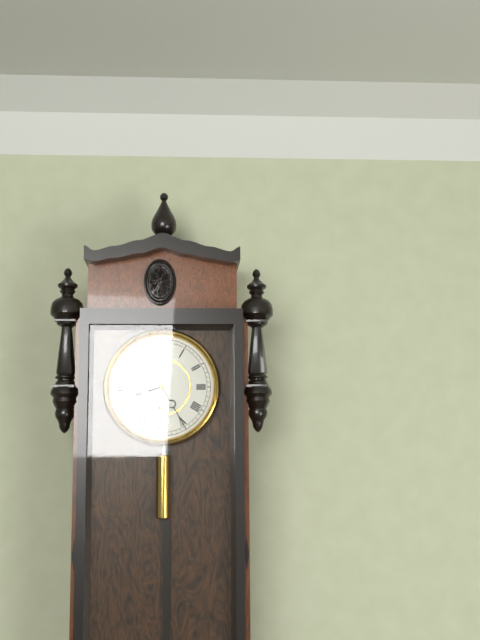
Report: {"hour": 8, "minute": 25}
